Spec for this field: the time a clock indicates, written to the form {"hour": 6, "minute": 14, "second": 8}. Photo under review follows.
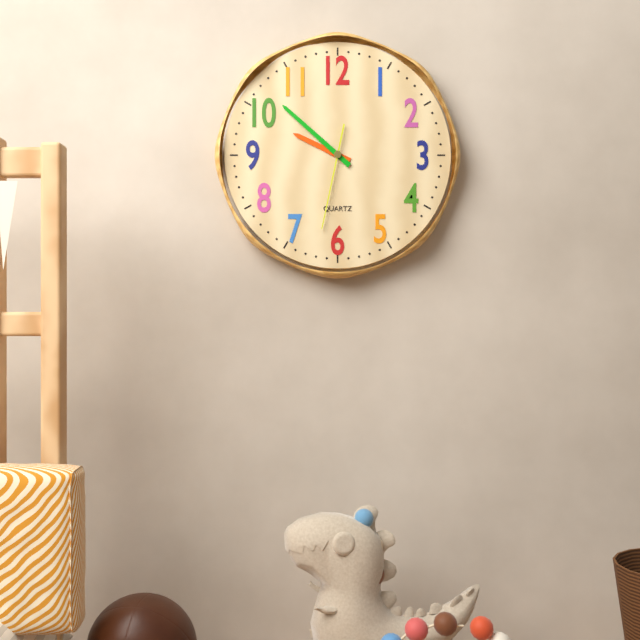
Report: {"hour": 9, "minute": 52, "second": 32}
